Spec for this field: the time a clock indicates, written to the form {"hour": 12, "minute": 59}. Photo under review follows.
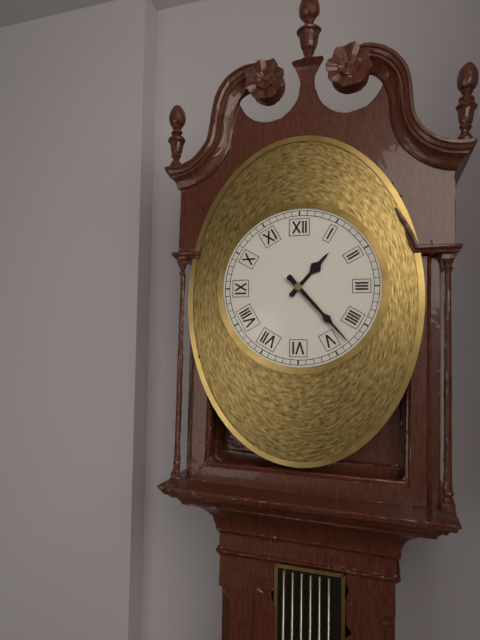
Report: {"hour": 1, "minute": 23}
